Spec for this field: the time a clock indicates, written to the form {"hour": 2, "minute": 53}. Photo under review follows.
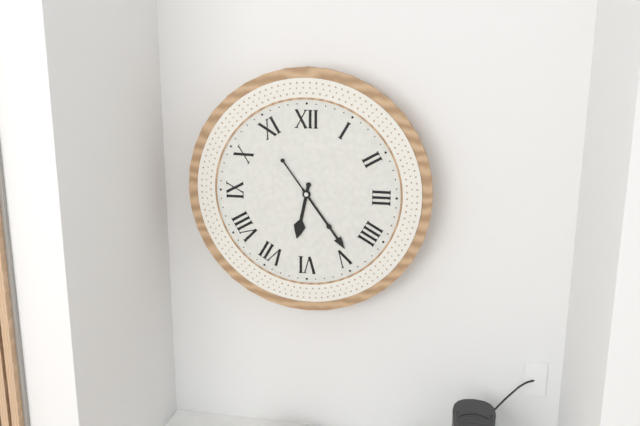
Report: {"hour": 6, "minute": 24}
